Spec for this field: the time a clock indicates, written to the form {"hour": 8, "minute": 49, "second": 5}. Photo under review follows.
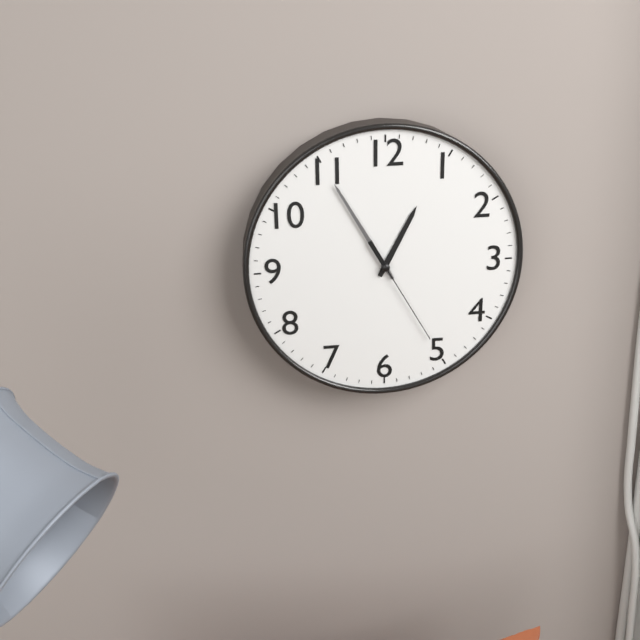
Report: {"hour": 12, "minute": 55, "second": 25}
